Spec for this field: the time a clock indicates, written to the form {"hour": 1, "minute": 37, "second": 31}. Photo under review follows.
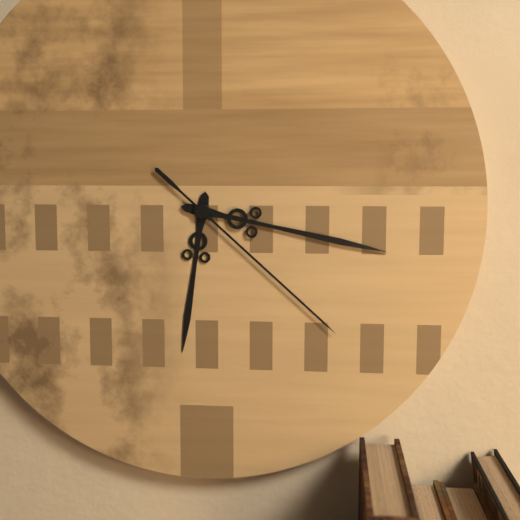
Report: {"hour": 6, "minute": 17, "second": 22}
